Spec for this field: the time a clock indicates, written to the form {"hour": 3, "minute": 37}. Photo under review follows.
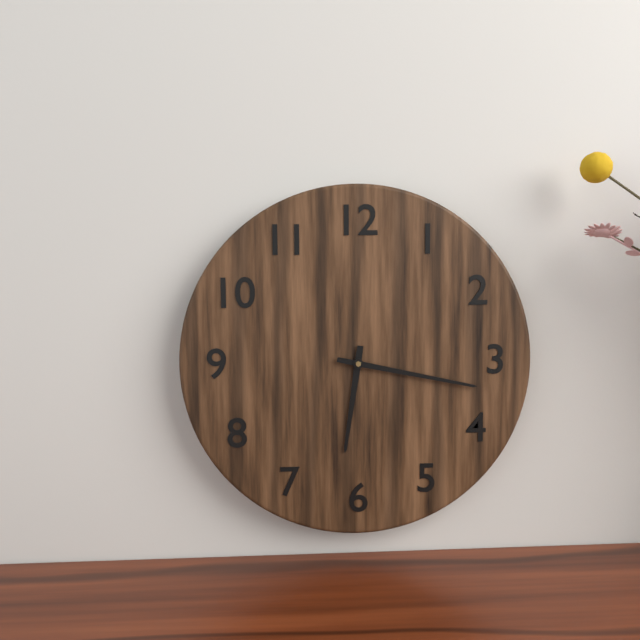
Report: {"hour": 6, "minute": 17}
